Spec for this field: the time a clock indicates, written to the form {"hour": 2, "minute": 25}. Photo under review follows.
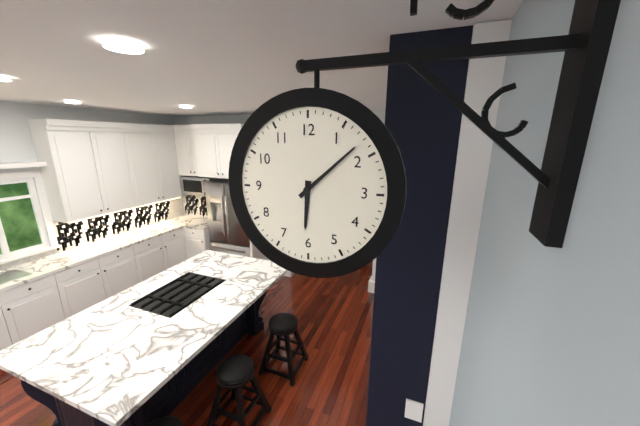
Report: {"hour": 6, "minute": 8}
